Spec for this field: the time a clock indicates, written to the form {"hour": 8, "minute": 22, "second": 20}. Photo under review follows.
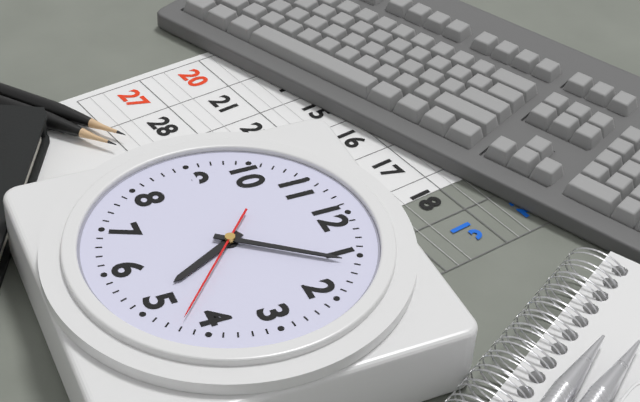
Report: {"hour": 5, "minute": 6, "second": 22}
